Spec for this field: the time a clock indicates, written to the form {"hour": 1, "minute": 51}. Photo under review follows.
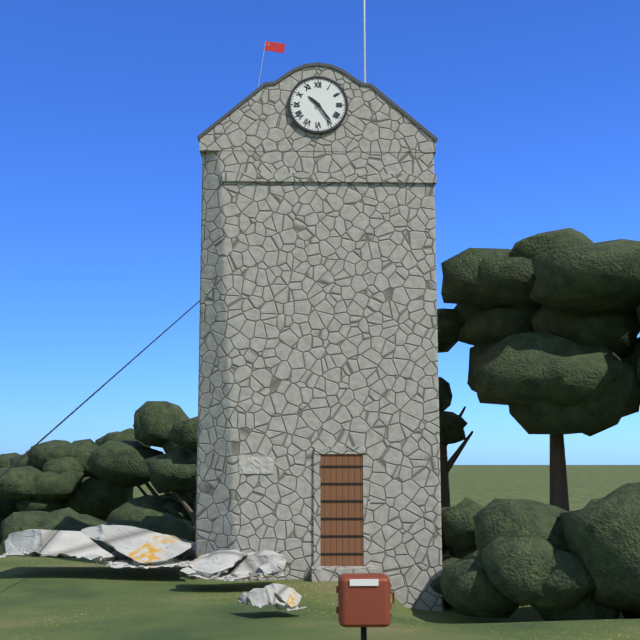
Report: {"hour": 10, "minute": 24}
